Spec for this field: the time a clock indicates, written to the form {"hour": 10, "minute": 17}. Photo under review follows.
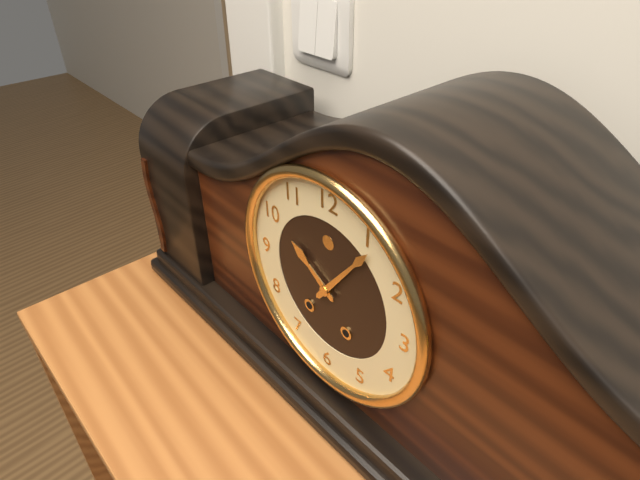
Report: {"hour": 10, "minute": 6}
